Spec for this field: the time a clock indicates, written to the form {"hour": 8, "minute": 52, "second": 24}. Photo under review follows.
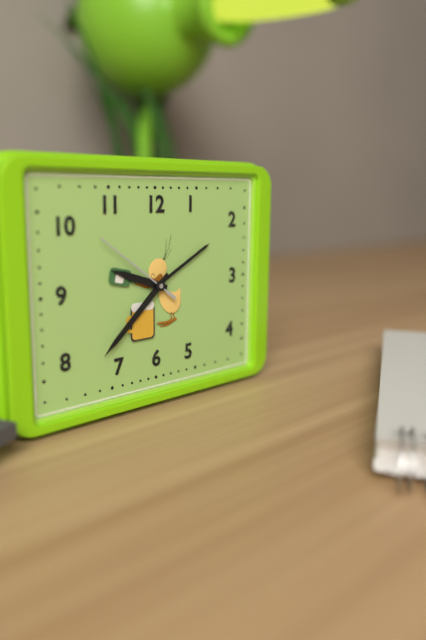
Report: {"hour": 9, "minute": 38, "second": 51}
